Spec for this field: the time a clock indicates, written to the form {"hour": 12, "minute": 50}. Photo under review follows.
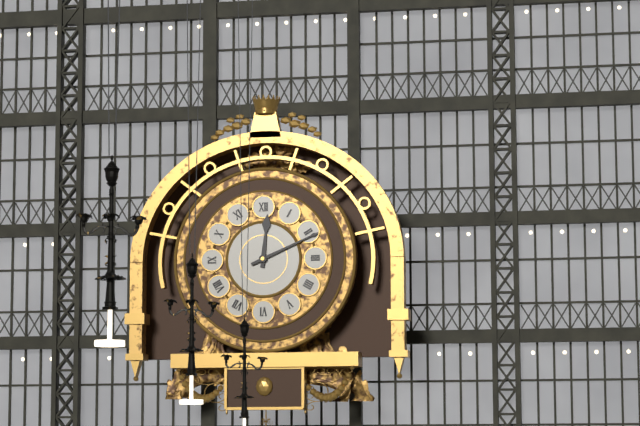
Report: {"hour": 12, "minute": 11}
